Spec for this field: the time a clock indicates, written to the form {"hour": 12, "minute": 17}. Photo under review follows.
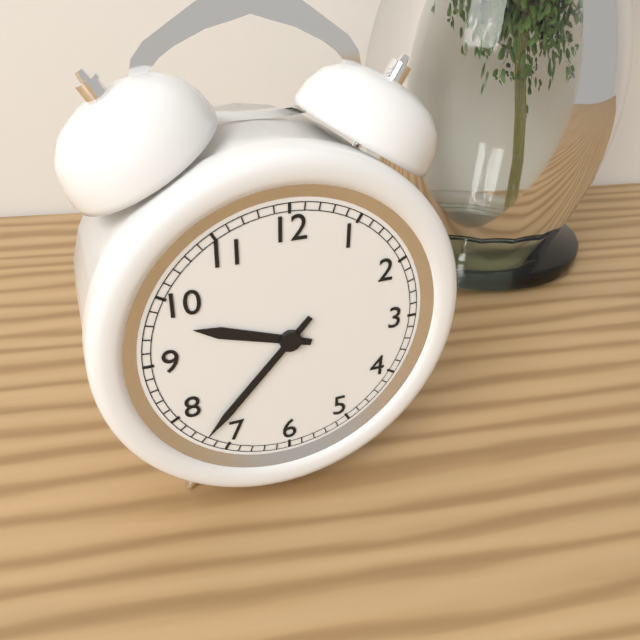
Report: {"hour": 9, "minute": 37}
